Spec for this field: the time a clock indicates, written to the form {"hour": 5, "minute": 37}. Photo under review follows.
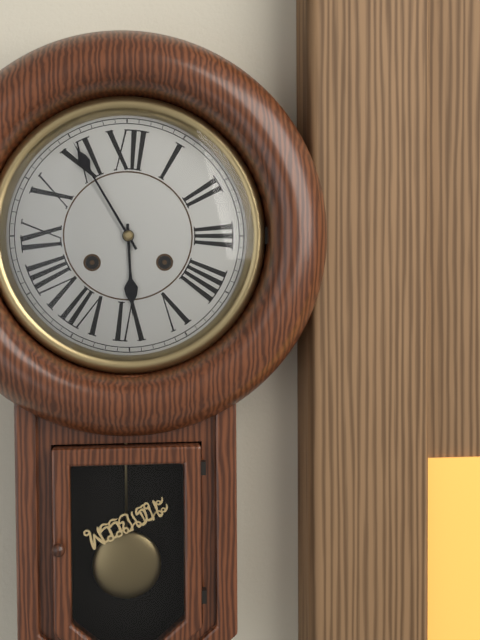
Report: {"hour": 5, "minute": 55}
